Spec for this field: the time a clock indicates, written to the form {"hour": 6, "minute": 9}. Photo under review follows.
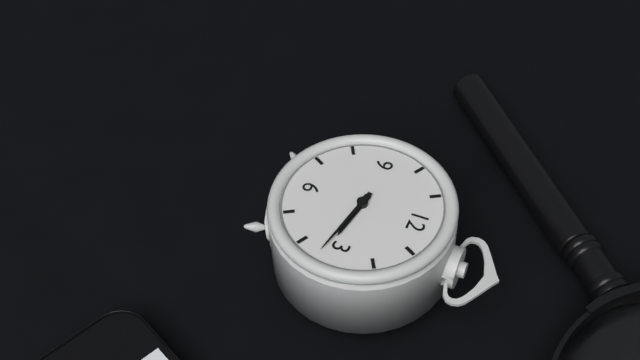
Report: {"hour": 3, "minute": 17}
